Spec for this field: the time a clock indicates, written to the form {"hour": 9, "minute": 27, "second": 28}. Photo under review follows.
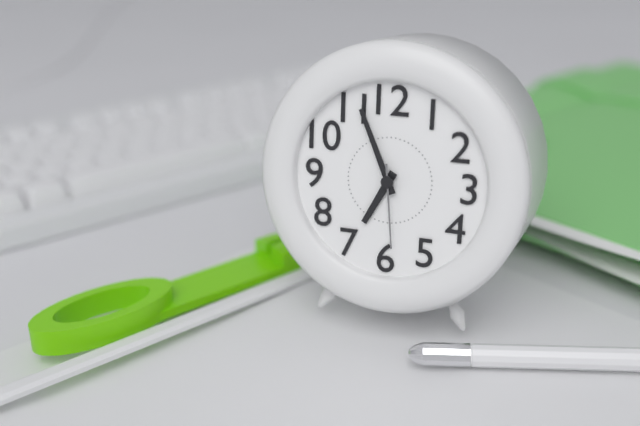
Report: {"hour": 6, "minute": 56, "second": 29}
